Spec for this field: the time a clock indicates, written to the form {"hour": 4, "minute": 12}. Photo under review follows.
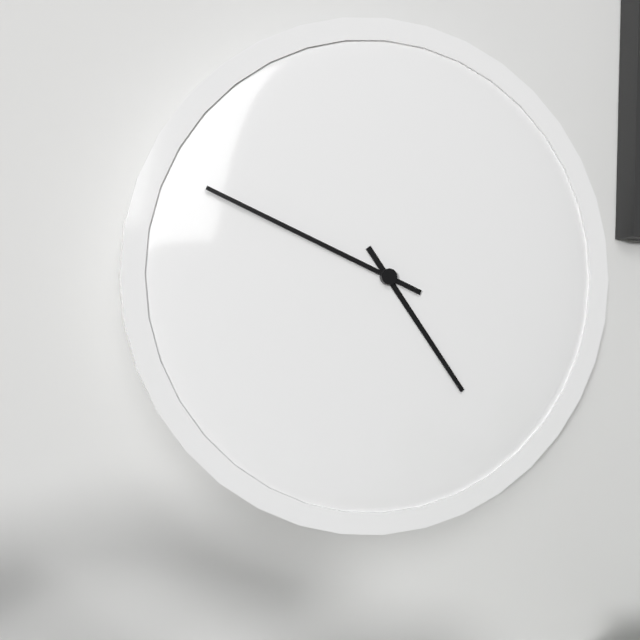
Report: {"hour": 4, "minute": 49}
